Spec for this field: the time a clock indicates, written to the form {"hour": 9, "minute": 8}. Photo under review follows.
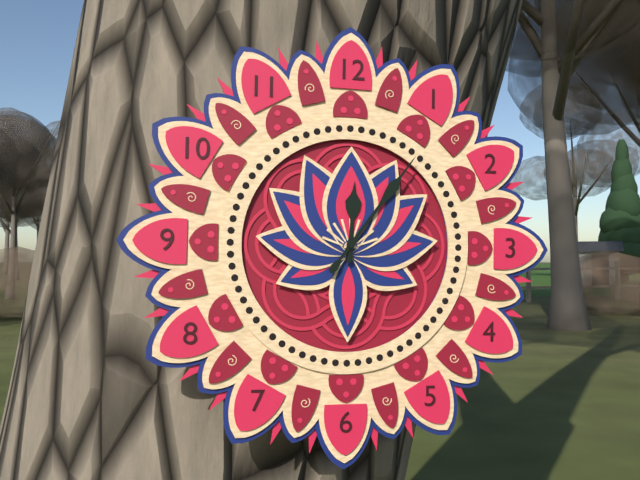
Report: {"hour": 12, "minute": 6}
